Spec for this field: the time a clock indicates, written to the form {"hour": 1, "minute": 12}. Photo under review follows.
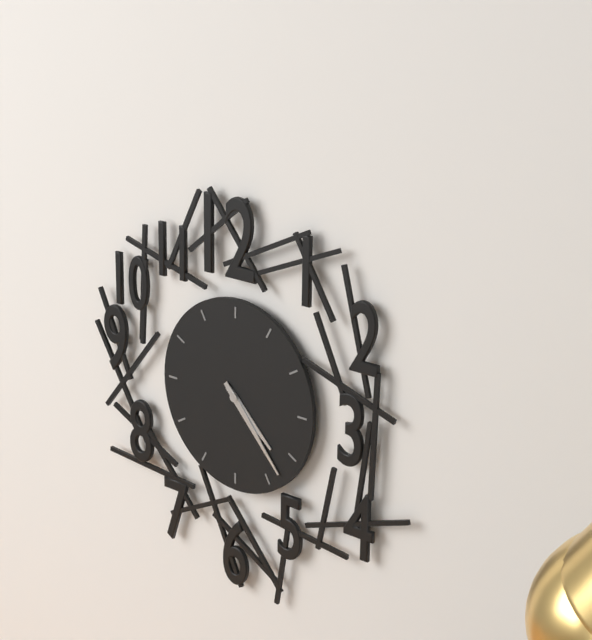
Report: {"hour": 4, "minute": 23}
